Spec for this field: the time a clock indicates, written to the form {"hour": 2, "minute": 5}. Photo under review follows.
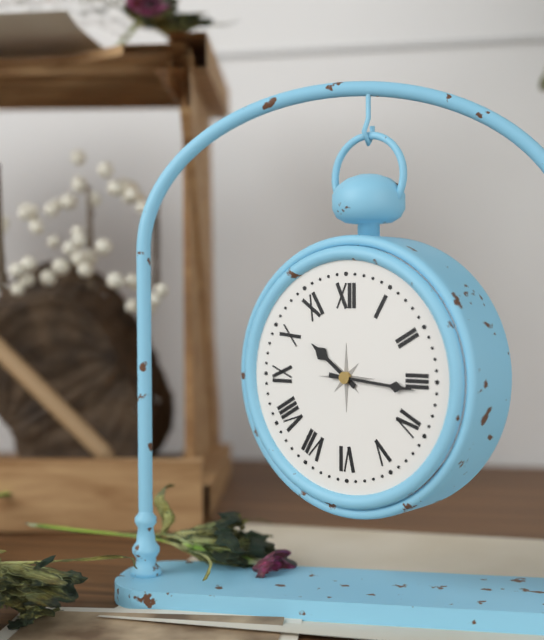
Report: {"hour": 10, "minute": 16}
